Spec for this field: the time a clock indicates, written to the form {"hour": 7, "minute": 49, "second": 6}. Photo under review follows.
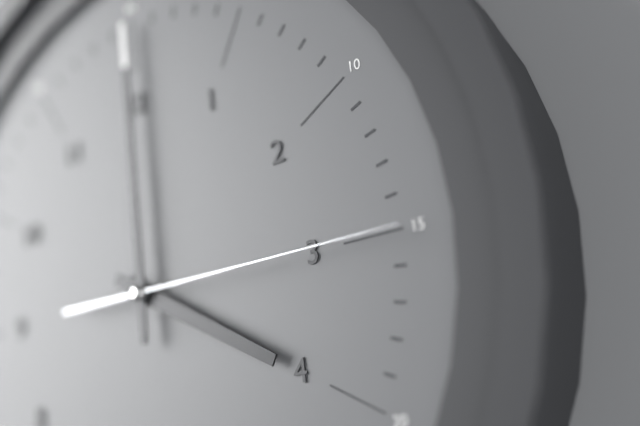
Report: {"hour": 4, "minute": 0, "second": 15}
